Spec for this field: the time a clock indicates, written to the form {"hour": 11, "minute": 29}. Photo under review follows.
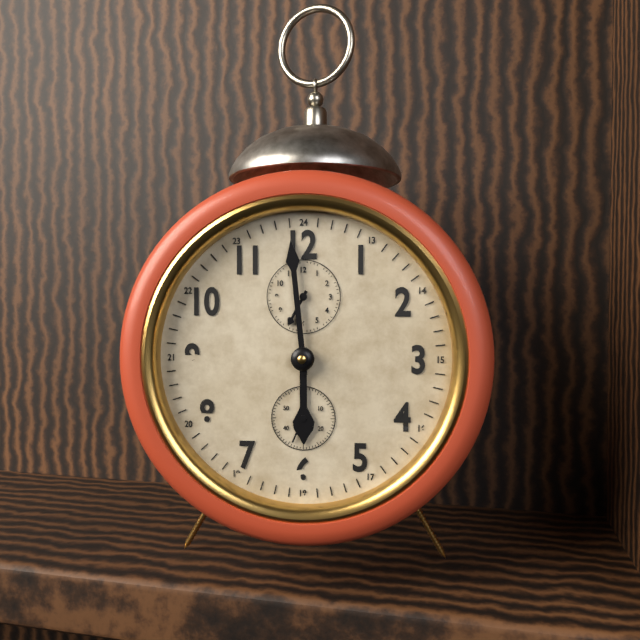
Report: {"hour": 5, "minute": 59}
